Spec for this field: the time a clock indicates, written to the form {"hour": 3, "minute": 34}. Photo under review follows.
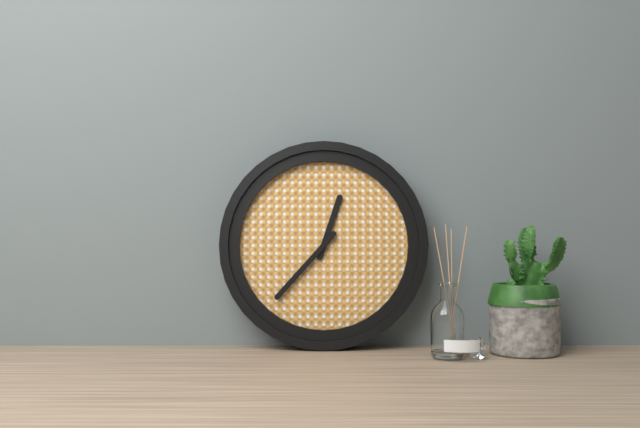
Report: {"hour": 12, "minute": 37}
